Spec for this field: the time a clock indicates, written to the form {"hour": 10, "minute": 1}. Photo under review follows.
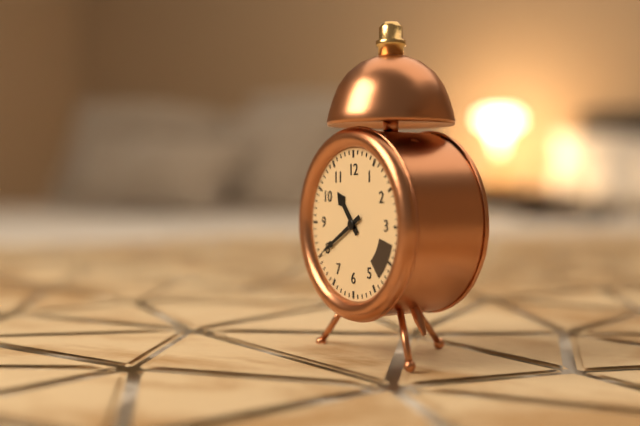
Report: {"hour": 10, "minute": 40}
